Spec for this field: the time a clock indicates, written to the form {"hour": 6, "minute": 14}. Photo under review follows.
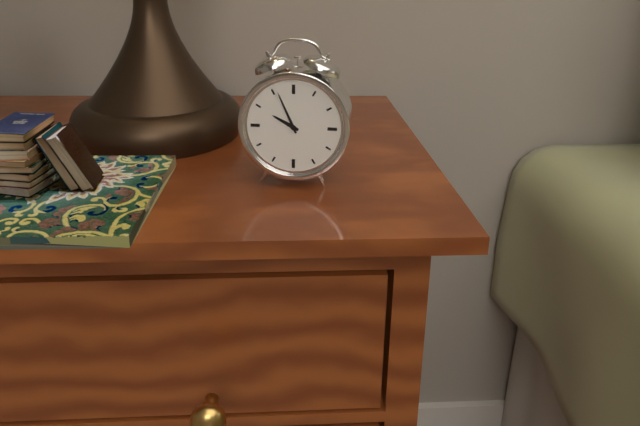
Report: {"hour": 9, "minute": 56}
